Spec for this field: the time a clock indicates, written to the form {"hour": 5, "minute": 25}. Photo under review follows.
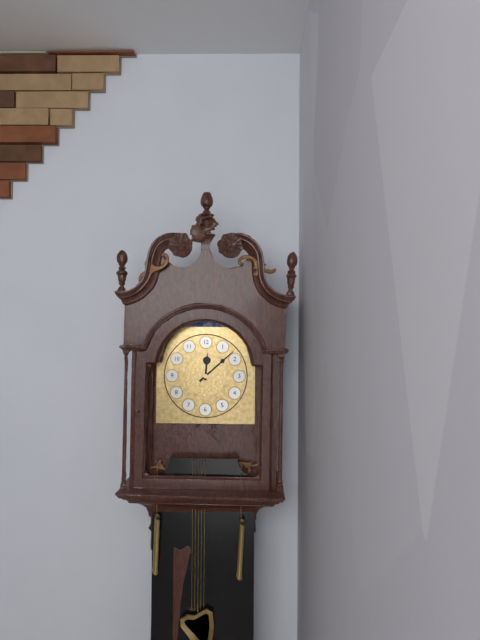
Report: {"hour": 12, "minute": 8}
